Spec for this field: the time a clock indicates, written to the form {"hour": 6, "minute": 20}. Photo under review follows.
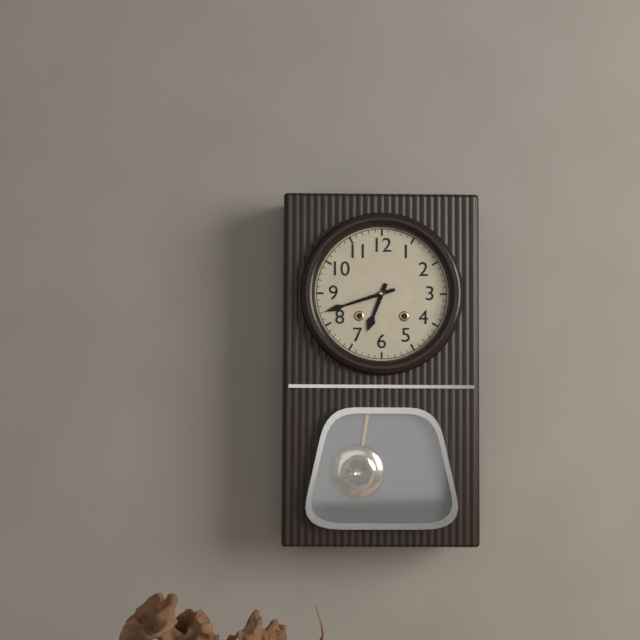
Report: {"hour": 6, "minute": 42}
